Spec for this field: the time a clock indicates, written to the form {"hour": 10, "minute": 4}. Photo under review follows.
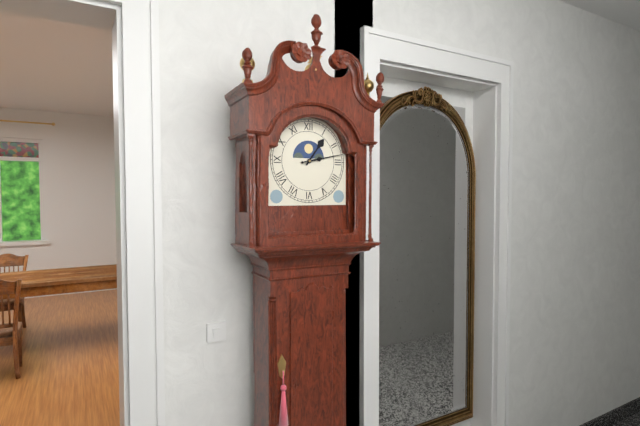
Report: {"hour": 1, "minute": 13}
